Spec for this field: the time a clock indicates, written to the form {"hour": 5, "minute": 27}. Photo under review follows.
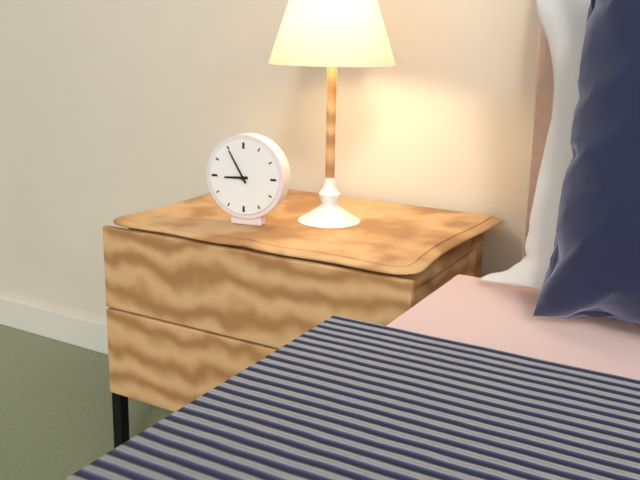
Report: {"hour": 8, "minute": 55}
